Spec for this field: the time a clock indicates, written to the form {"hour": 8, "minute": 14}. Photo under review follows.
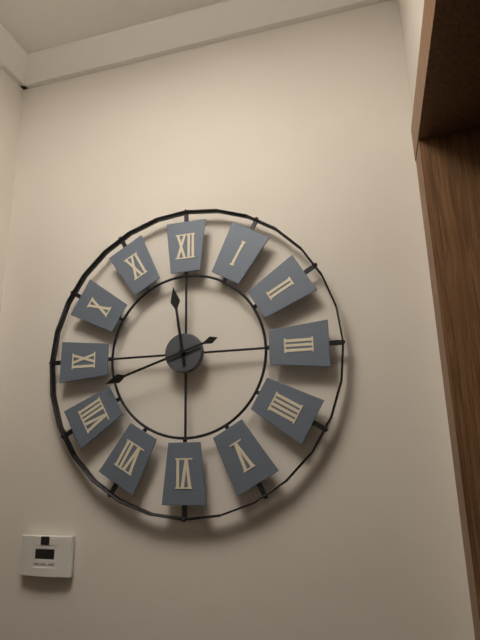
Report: {"hour": 11, "minute": 42}
